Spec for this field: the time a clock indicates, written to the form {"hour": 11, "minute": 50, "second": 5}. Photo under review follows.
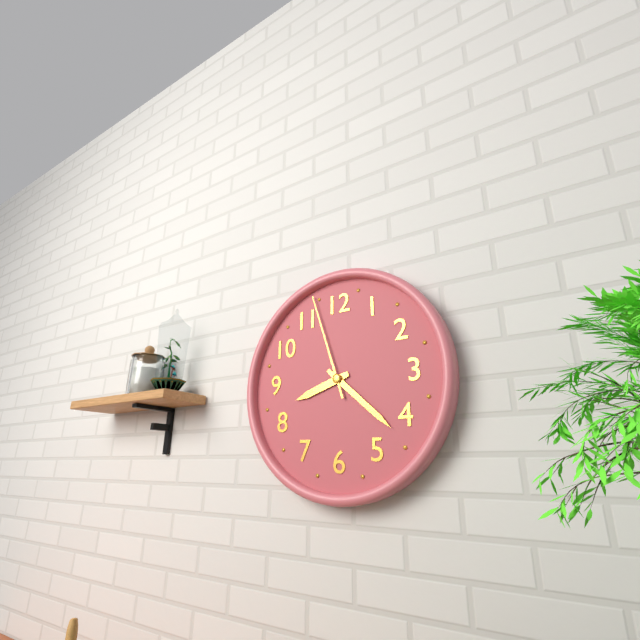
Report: {"hour": 8, "minute": 22, "second": 57}
